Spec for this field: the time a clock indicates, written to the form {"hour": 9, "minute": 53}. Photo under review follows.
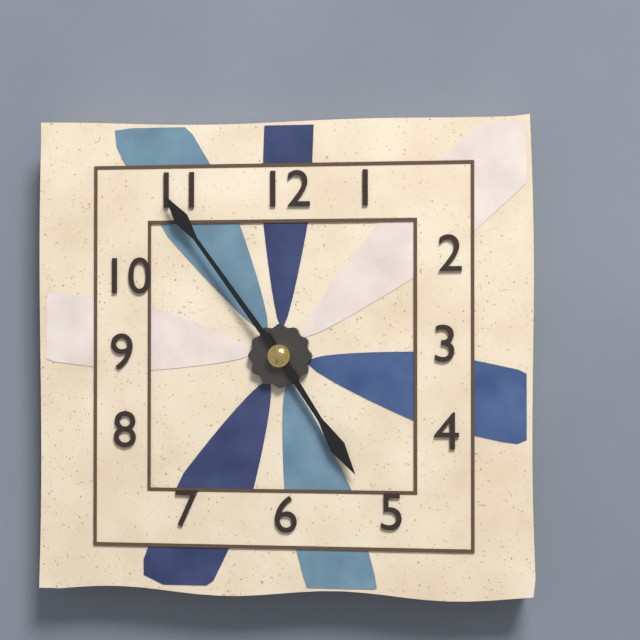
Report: {"hour": 4, "minute": 54}
